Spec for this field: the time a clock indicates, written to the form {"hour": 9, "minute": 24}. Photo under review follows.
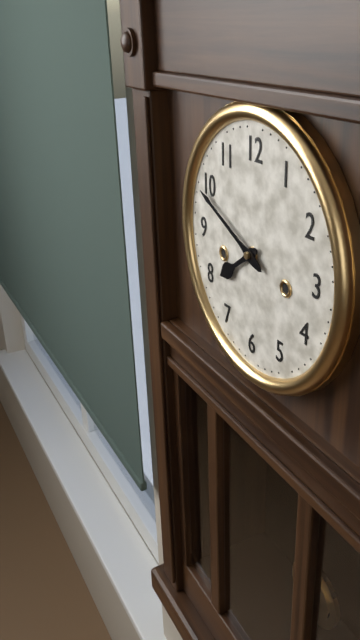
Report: {"hour": 7, "minute": 49}
